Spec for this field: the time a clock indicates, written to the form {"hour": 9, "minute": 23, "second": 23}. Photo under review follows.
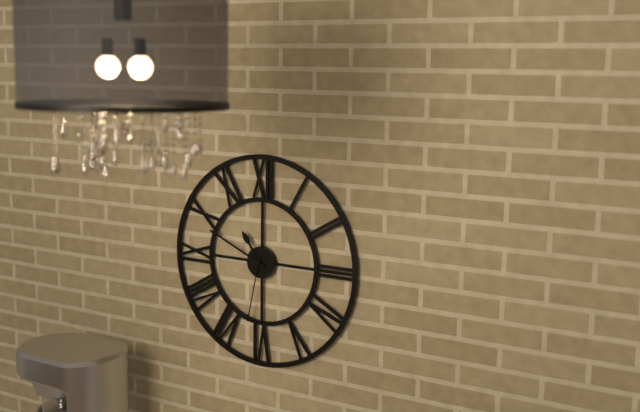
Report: {"hour": 10, "minute": 49, "second": 32}
